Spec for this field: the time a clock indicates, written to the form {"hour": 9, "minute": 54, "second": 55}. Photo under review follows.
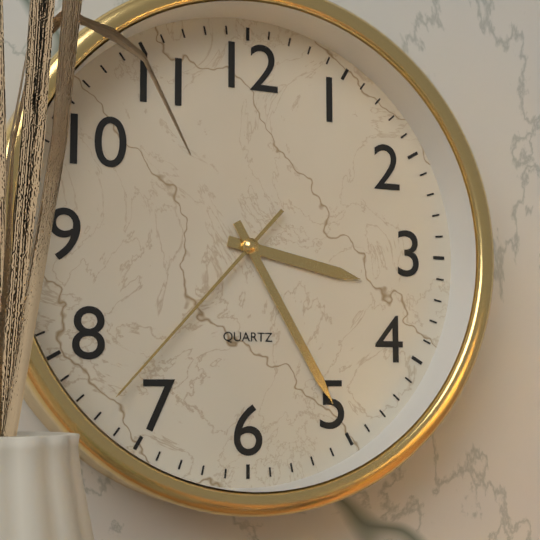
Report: {"hour": 3, "minute": 25, "second": 37}
